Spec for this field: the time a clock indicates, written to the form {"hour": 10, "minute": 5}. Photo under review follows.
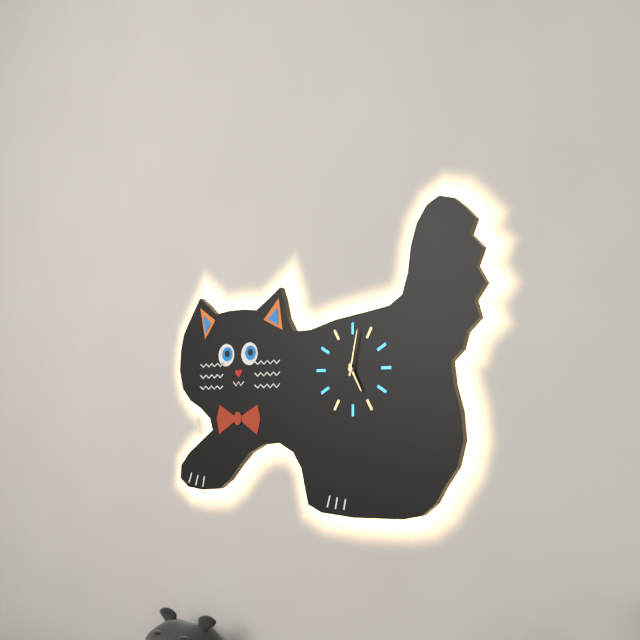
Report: {"hour": 5, "minute": 2}
